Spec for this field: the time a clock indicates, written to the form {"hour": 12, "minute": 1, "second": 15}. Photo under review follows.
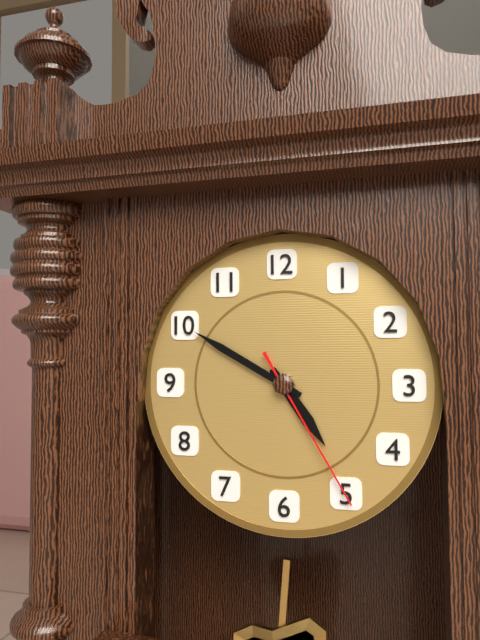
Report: {"hour": 4, "minute": 50, "second": 25}
